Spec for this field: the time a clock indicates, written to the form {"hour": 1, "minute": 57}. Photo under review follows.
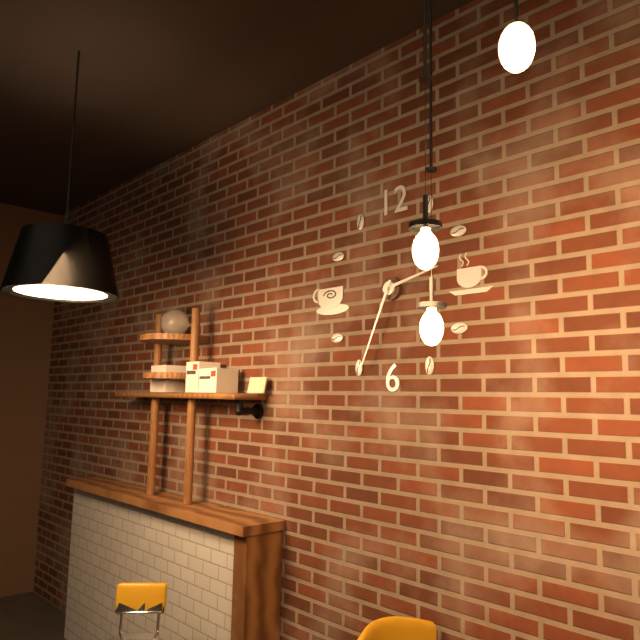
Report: {"hour": 2, "minute": 34}
